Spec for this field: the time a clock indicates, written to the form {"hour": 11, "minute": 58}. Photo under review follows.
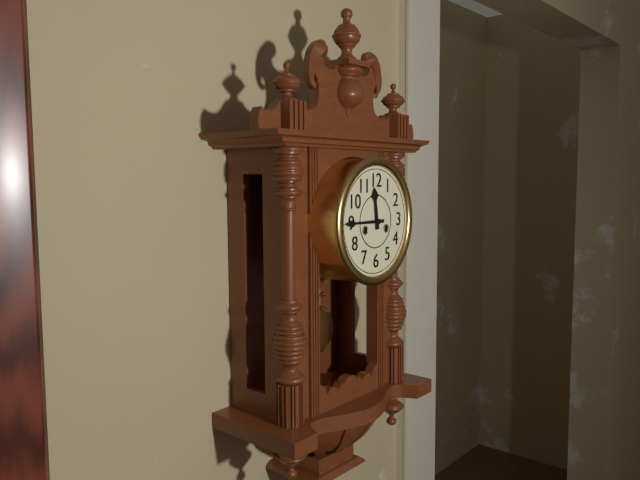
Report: {"hour": 11, "minute": 45}
